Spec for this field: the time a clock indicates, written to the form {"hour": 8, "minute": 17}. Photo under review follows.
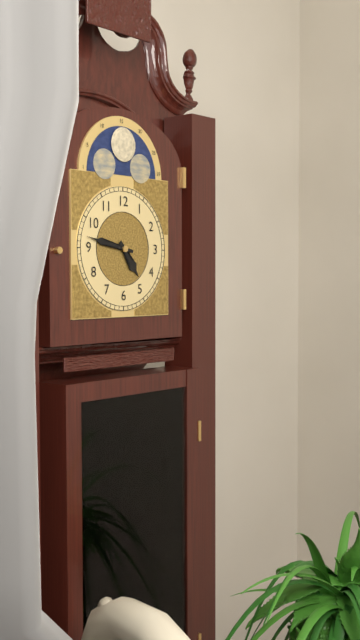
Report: {"hour": 4, "minute": 47}
